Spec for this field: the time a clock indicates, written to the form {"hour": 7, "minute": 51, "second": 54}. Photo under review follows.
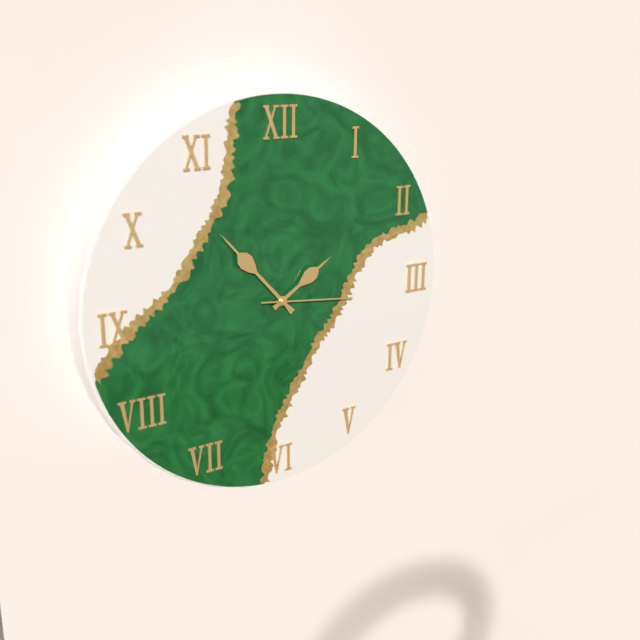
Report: {"hour": 1, "minute": 53, "second": 16}
